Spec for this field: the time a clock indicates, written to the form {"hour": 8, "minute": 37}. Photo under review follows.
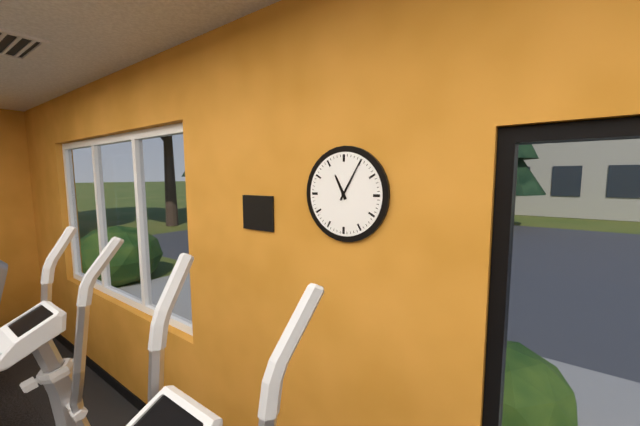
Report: {"hour": 11, "minute": 5}
